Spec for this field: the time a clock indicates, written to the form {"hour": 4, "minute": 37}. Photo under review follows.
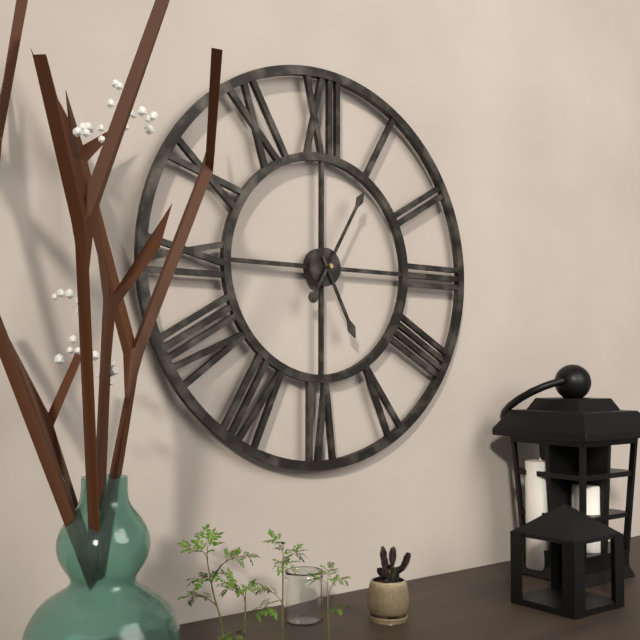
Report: {"hour": 5, "minute": 5}
